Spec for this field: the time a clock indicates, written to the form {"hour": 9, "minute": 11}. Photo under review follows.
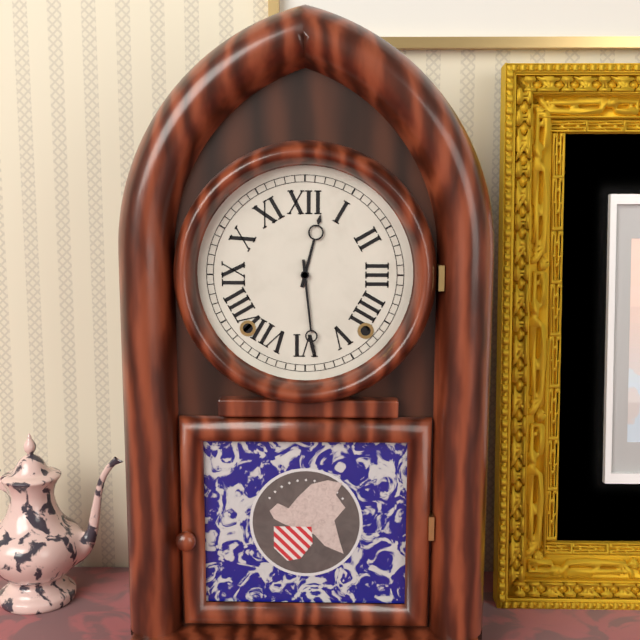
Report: {"hour": 12, "minute": 29}
